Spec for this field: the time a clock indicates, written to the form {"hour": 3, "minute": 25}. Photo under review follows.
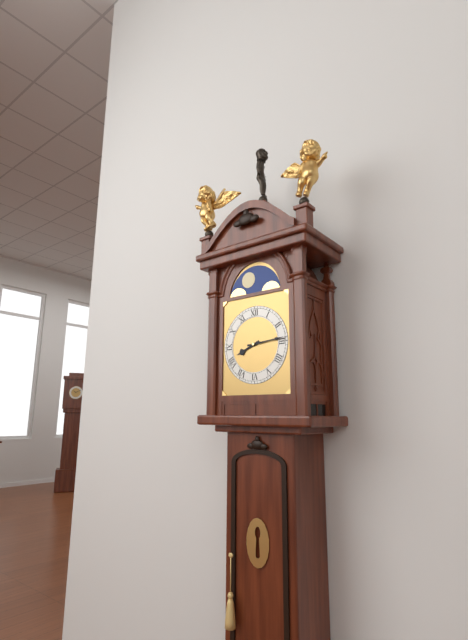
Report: {"hour": 8, "minute": 14}
